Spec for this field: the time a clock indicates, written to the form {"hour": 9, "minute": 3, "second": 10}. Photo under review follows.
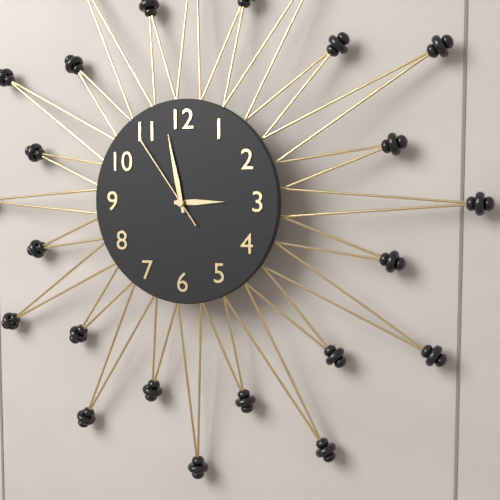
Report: {"hour": 2, "minute": 58, "second": 54}
